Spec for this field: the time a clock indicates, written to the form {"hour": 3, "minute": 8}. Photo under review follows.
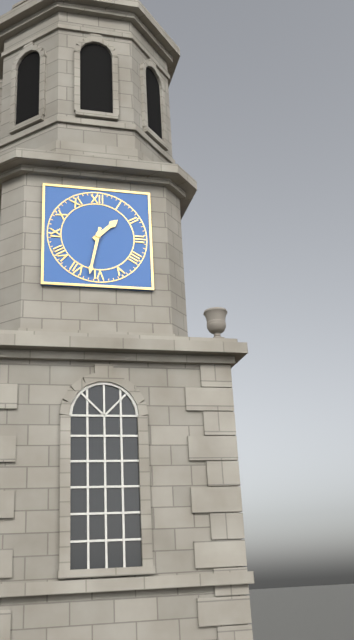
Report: {"hour": 1, "minute": 32}
